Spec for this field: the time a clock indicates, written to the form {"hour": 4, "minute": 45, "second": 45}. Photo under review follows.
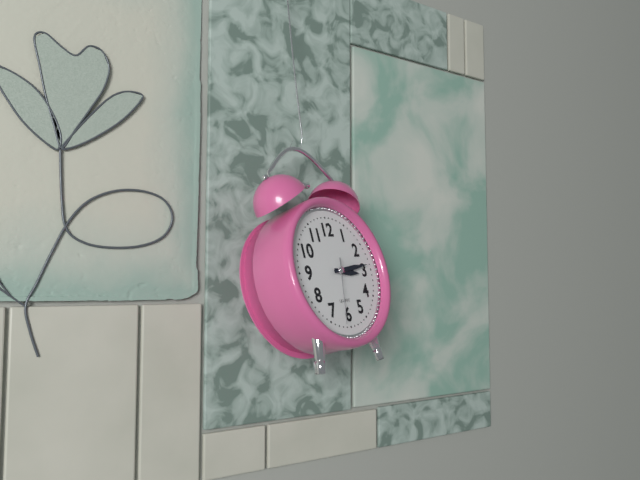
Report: {"hour": 3, "minute": 14, "second": 32}
